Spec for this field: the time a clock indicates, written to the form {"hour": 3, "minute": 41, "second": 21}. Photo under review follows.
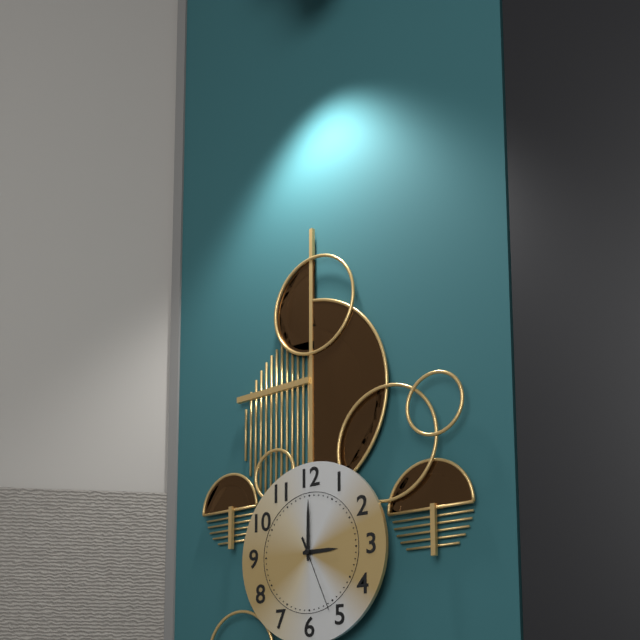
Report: {"hour": 3, "minute": 0, "second": 26}
